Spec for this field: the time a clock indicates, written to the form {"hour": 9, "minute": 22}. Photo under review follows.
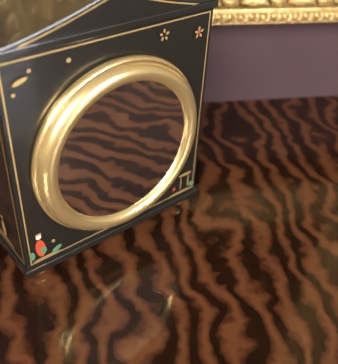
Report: {"hour": 8, "minute": 29}
